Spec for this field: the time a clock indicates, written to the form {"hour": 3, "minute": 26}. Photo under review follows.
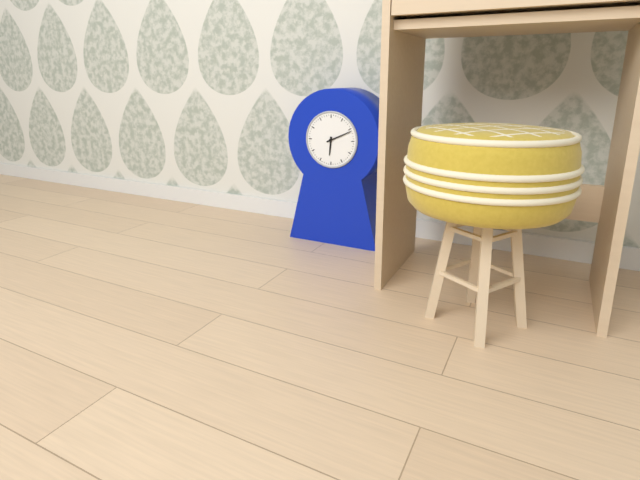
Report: {"hour": 6, "minute": 11}
